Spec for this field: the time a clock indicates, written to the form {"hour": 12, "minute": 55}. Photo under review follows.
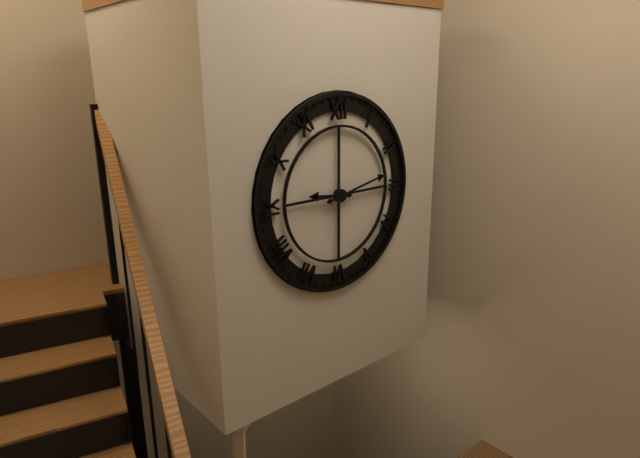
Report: {"hour": 9, "minute": 13}
